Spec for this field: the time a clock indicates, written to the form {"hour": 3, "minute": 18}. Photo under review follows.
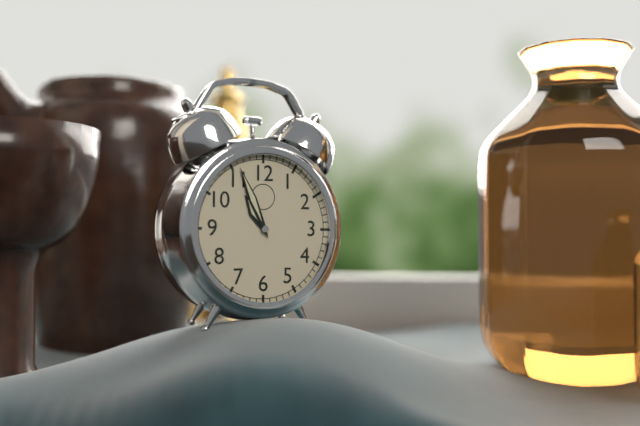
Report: {"hour": 10, "minute": 56}
